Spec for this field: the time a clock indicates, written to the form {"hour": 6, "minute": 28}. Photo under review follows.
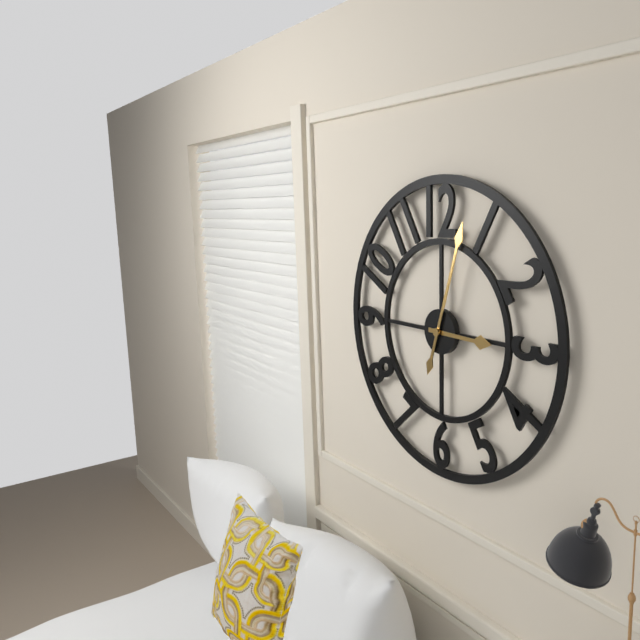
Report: {"hour": 3, "minute": 3}
